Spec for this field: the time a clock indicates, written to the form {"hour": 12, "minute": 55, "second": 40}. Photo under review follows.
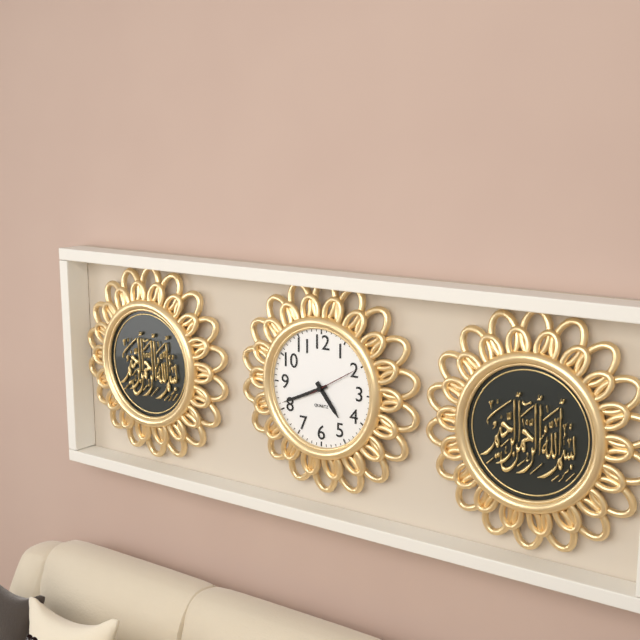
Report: {"hour": 4, "minute": 41, "second": 10}
